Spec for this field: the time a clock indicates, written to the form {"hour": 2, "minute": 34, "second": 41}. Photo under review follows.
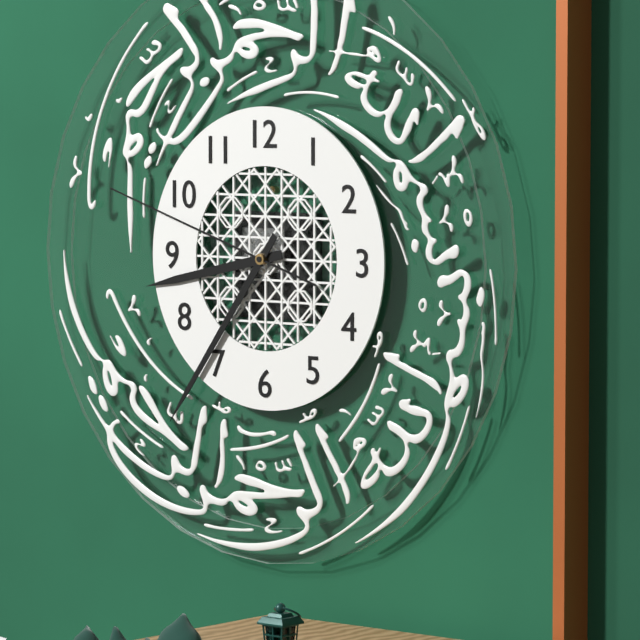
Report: {"hour": 8, "minute": 36, "second": 48}
